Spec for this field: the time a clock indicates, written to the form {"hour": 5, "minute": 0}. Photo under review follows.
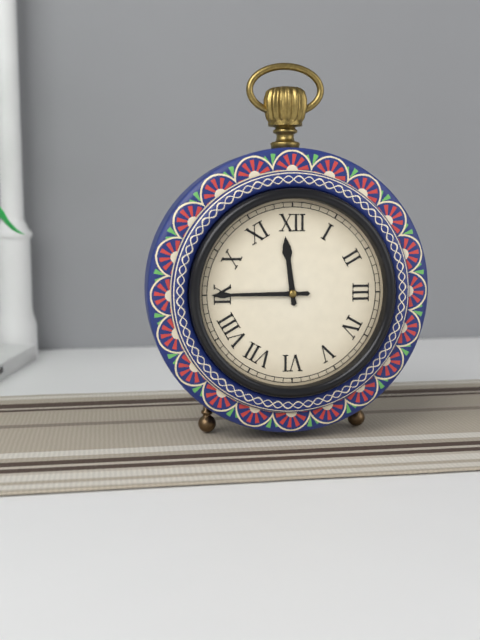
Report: {"hour": 11, "minute": 45}
